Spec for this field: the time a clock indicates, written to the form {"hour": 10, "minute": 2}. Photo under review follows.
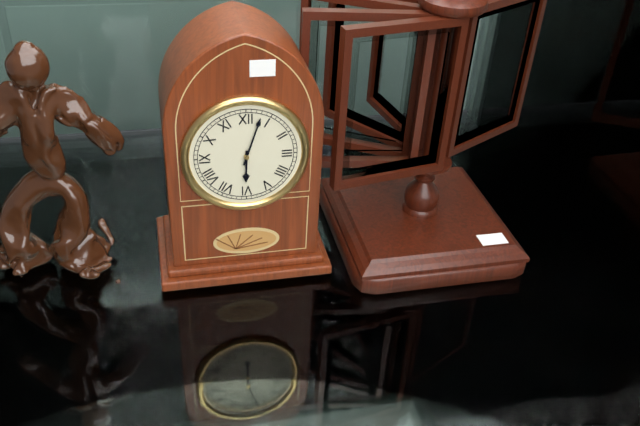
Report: {"hour": 6, "minute": 3}
